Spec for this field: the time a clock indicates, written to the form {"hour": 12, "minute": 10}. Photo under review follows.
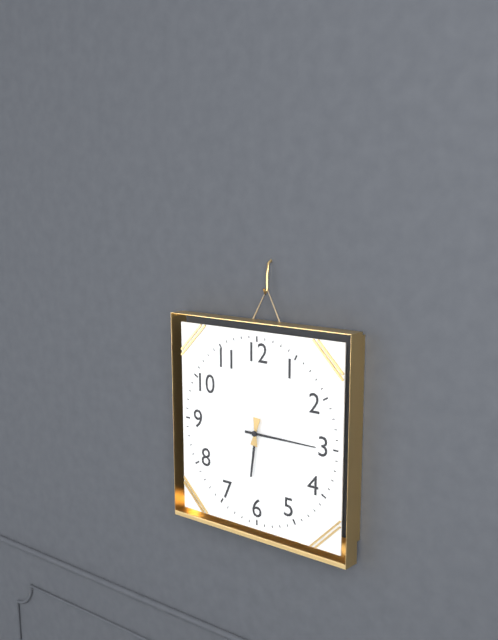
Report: {"hour": 6, "minute": 15}
